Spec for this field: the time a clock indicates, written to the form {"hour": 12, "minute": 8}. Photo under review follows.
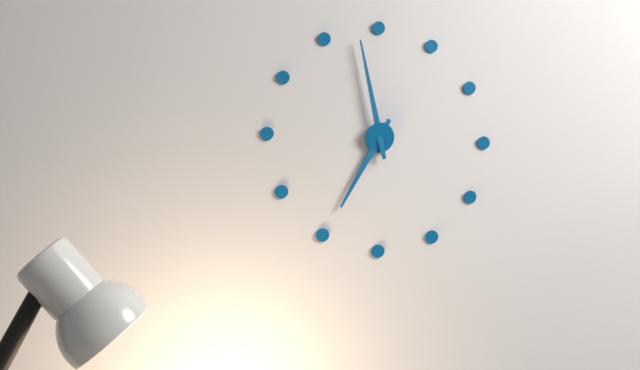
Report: {"hour": 6, "minute": 58}
